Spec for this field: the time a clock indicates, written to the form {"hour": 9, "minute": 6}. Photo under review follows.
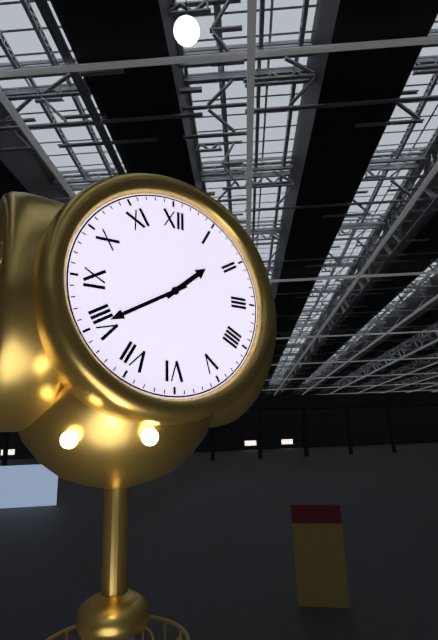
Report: {"hour": 1, "minute": 40}
